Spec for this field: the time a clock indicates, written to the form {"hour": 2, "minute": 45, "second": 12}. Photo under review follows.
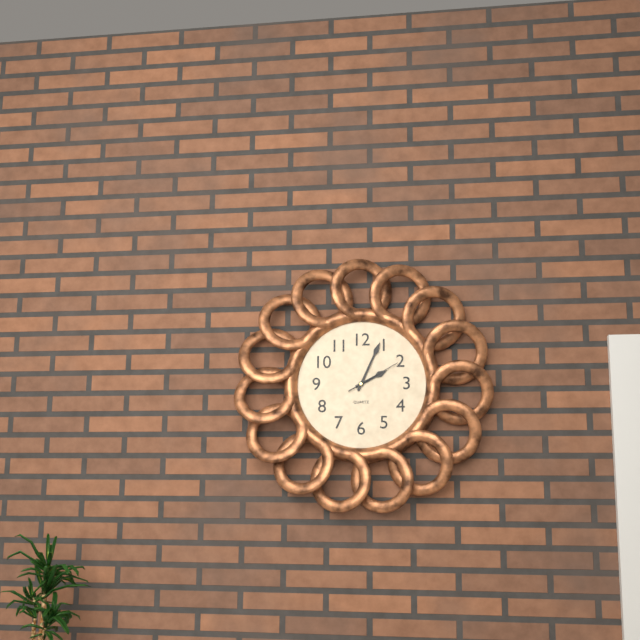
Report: {"hour": 2, "minute": 4, "second": 10}
